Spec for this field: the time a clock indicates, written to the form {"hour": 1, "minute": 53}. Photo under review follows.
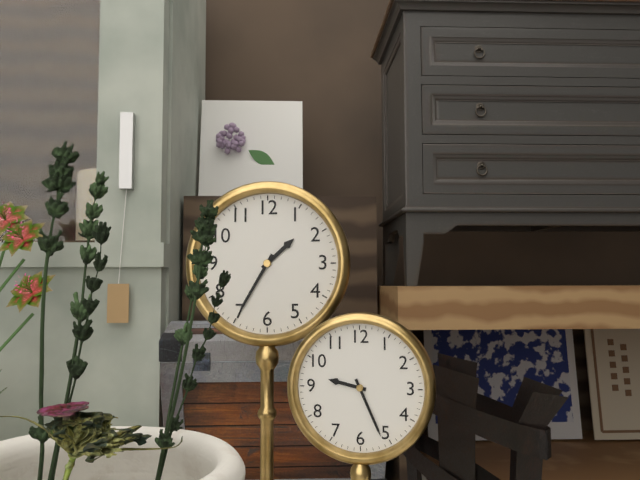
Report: {"hour": 1, "minute": 35}
